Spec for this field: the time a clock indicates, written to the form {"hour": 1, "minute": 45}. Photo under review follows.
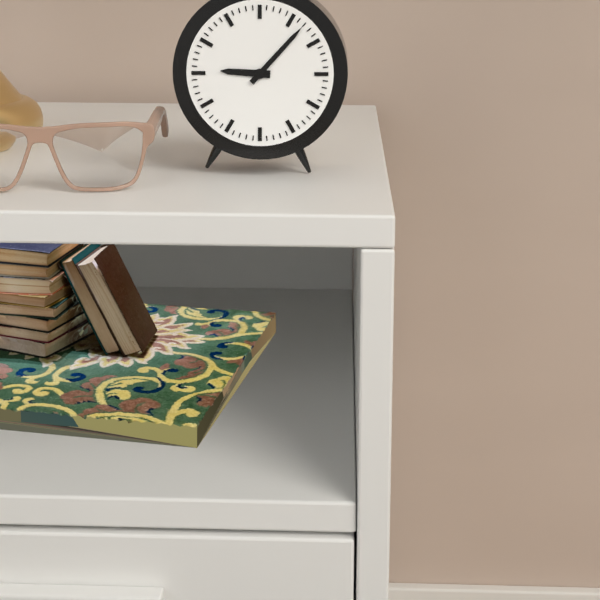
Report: {"hour": 9, "minute": 7}
